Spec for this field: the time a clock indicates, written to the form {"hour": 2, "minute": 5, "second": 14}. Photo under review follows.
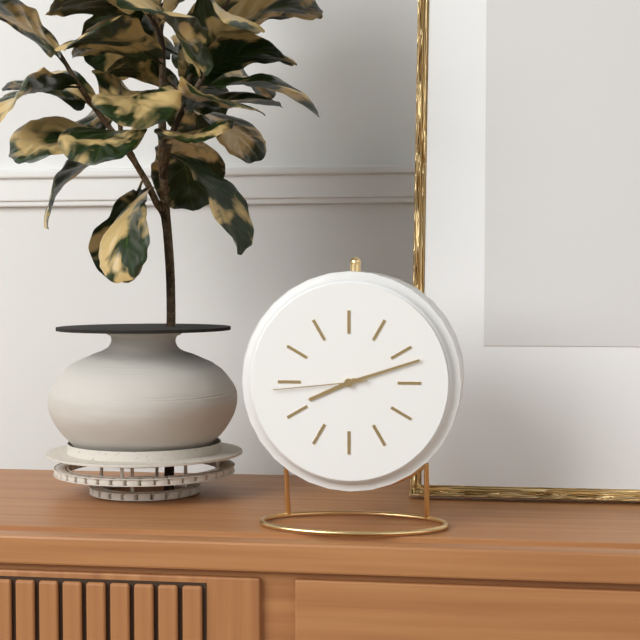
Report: {"hour": 8, "minute": 12, "second": 44}
